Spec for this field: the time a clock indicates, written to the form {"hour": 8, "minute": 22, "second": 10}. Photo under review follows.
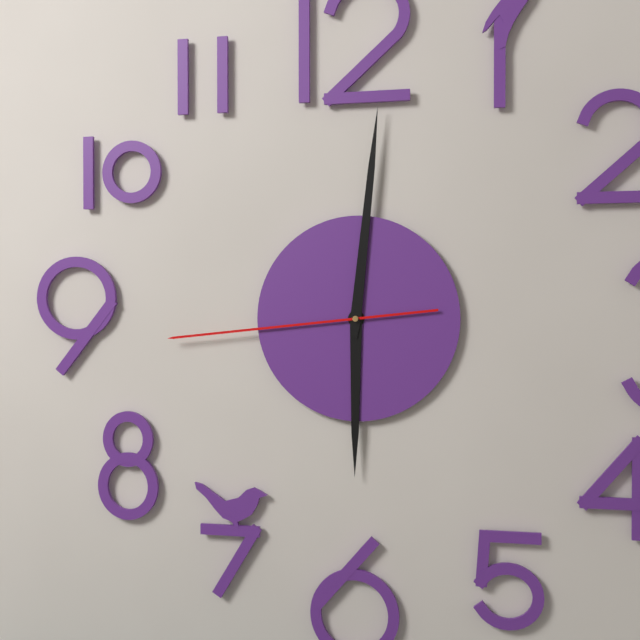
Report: {"hour": 6, "minute": 1, "second": 44}
